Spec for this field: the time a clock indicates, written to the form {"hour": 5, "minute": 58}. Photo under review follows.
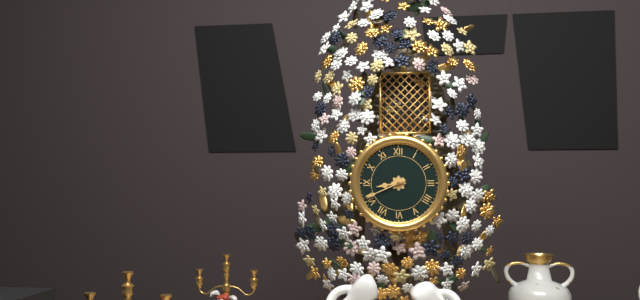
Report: {"hour": 8, "minute": 41}
